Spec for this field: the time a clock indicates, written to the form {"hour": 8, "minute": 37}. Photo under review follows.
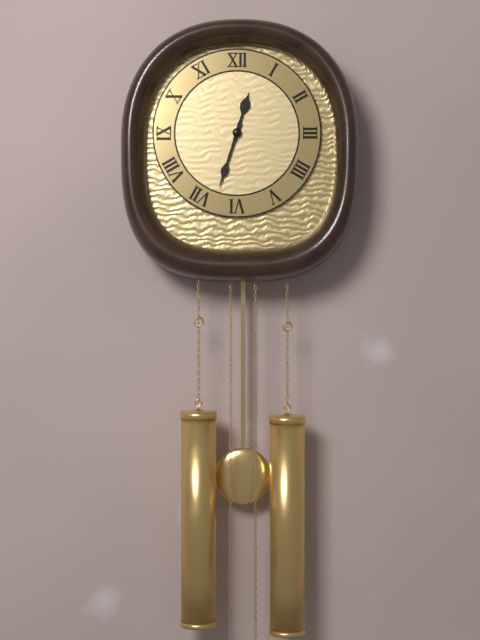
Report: {"hour": 12, "minute": 33}
